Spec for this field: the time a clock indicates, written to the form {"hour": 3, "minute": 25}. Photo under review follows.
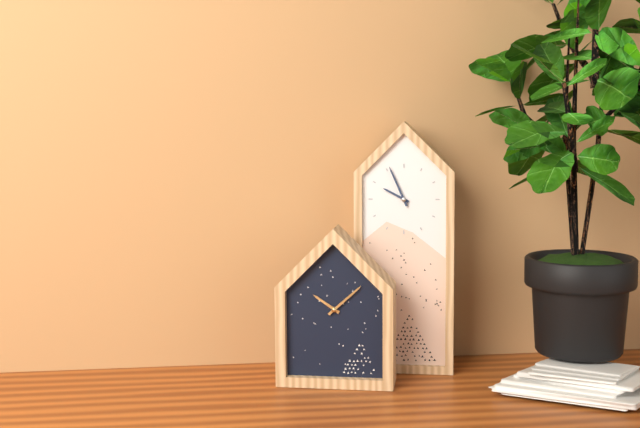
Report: {"hour": 9, "minute": 56}
